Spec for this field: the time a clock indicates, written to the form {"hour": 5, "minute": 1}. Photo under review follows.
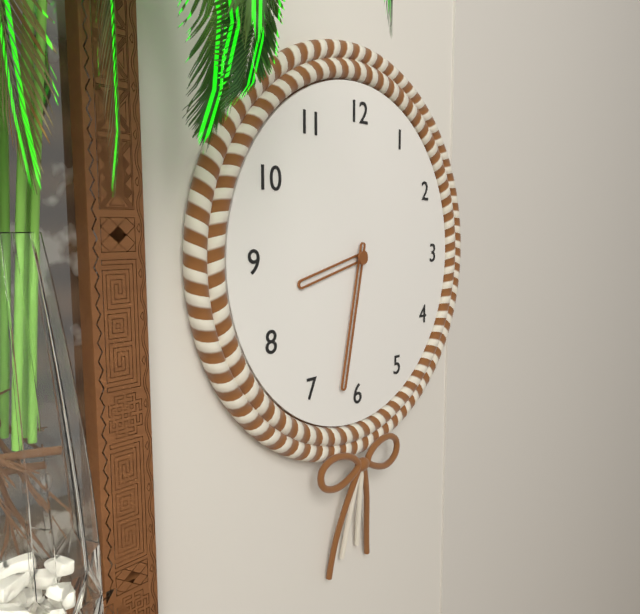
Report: {"hour": 8, "minute": 32}
